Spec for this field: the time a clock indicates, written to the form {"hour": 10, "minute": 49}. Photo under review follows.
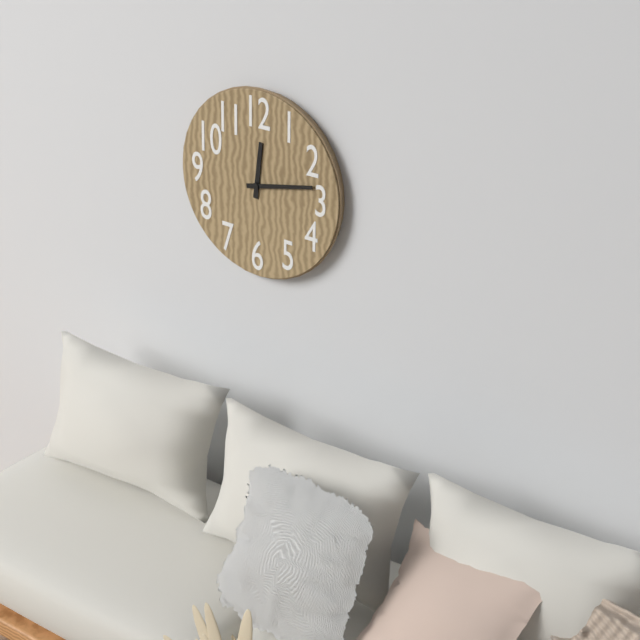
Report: {"hour": 12, "minute": 13}
